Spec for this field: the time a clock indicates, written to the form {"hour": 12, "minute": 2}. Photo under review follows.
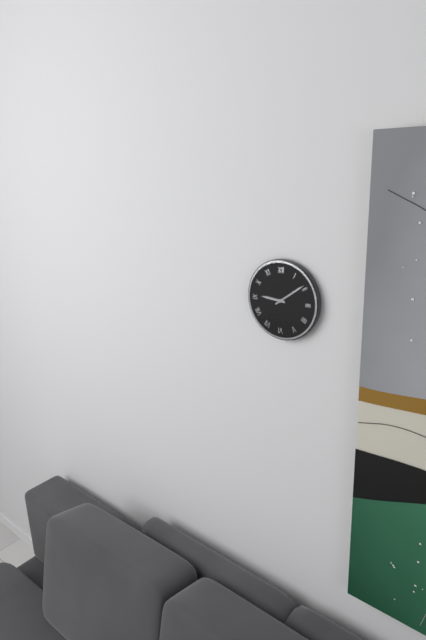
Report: {"hour": 9, "minute": 9}
